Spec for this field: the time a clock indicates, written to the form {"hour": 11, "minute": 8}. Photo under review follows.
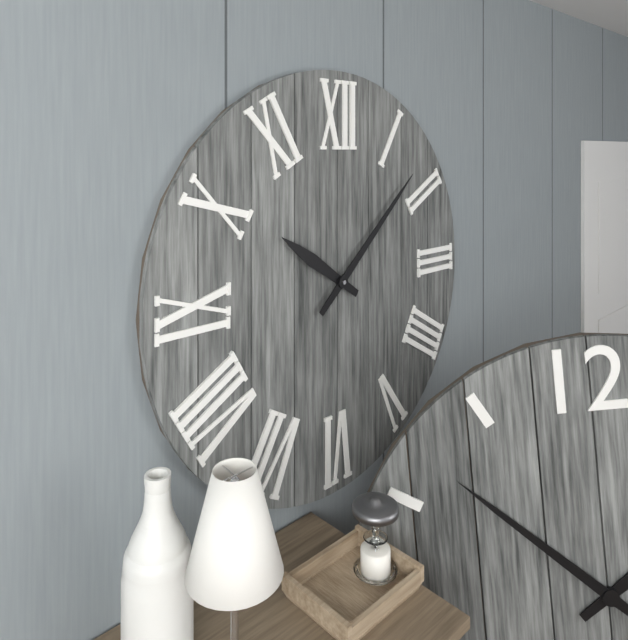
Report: {"hour": 10, "minute": 8}
